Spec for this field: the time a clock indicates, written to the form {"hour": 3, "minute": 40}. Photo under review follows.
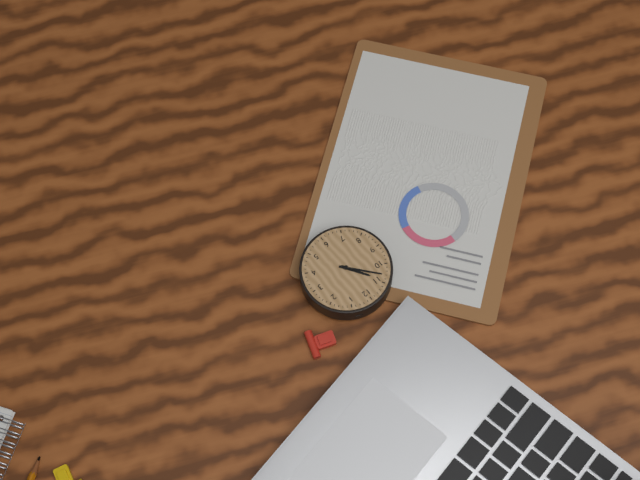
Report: {"hour": 10, "minute": 53}
